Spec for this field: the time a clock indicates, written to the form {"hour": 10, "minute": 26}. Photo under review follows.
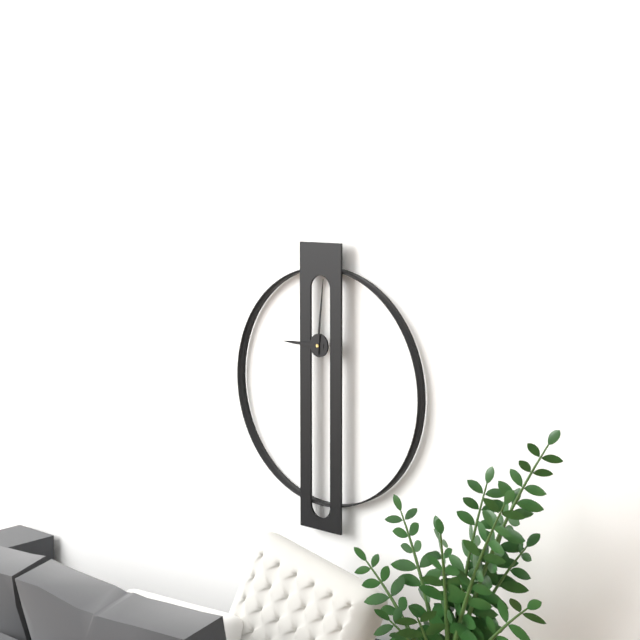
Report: {"hour": 9, "minute": 1}
